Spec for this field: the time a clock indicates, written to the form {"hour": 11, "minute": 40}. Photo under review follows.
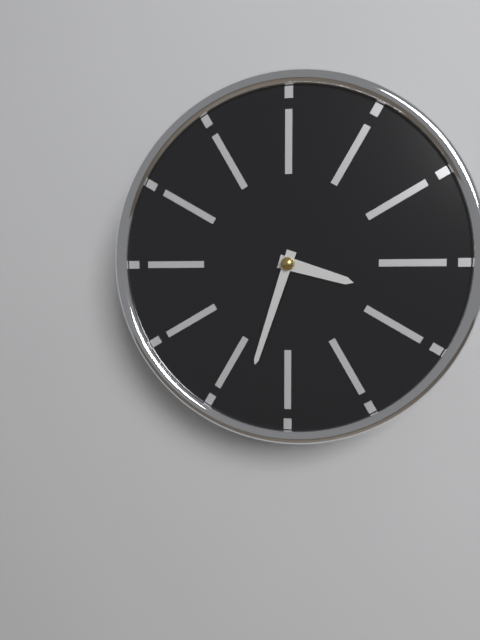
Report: {"hour": 3, "minute": 33}
